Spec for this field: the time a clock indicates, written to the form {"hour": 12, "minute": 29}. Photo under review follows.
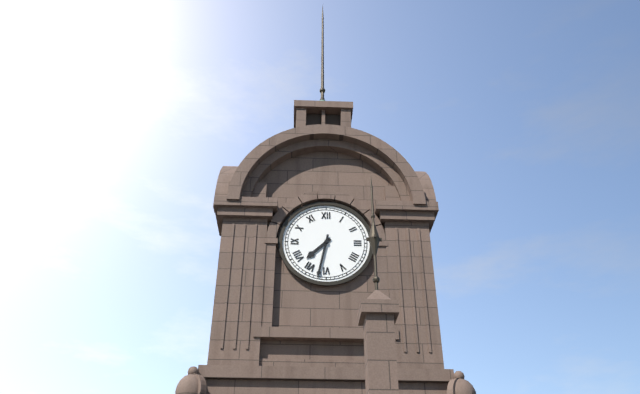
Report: {"hour": 7, "minute": 32}
